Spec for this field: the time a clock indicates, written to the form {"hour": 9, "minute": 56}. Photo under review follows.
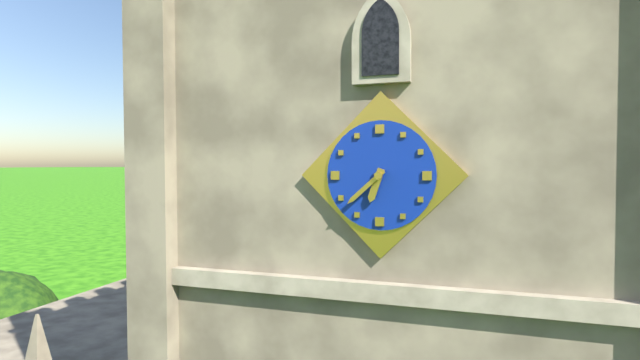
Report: {"hour": 6, "minute": 38}
